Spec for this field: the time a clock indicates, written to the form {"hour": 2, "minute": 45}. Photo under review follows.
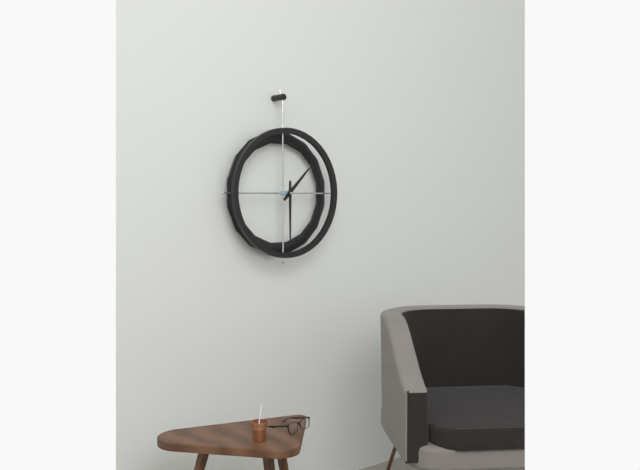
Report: {"hour": 1, "minute": 30}
